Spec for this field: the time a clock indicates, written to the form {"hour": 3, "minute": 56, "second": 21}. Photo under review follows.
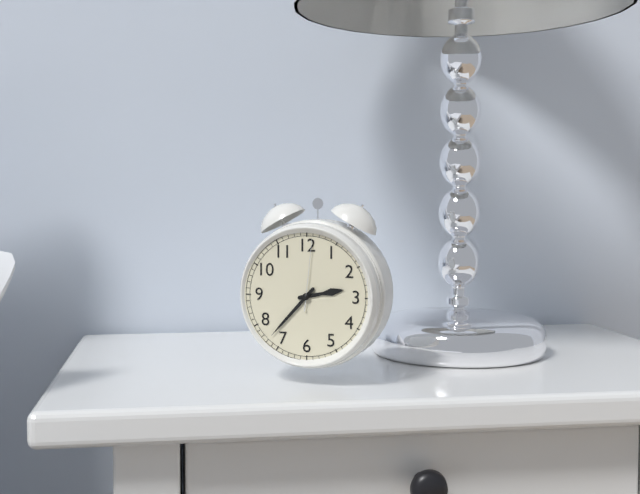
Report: {"hour": 2, "minute": 37, "second": 1}
